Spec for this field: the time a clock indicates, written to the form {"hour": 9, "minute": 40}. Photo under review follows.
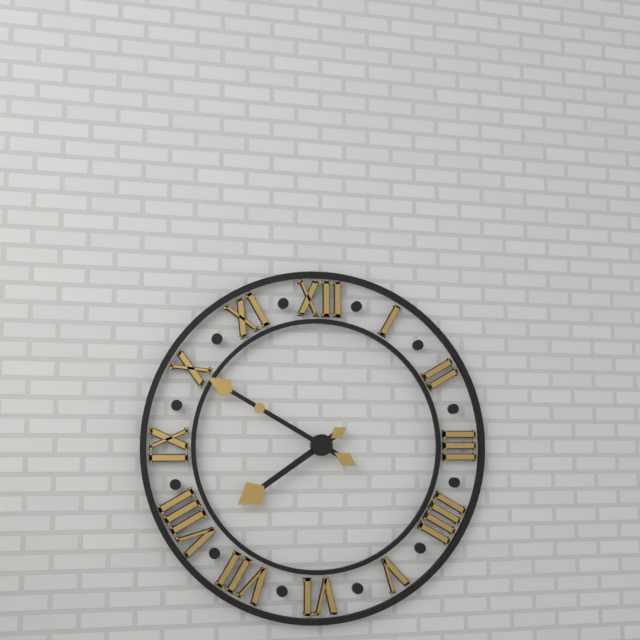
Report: {"hour": 7, "minute": 50}
